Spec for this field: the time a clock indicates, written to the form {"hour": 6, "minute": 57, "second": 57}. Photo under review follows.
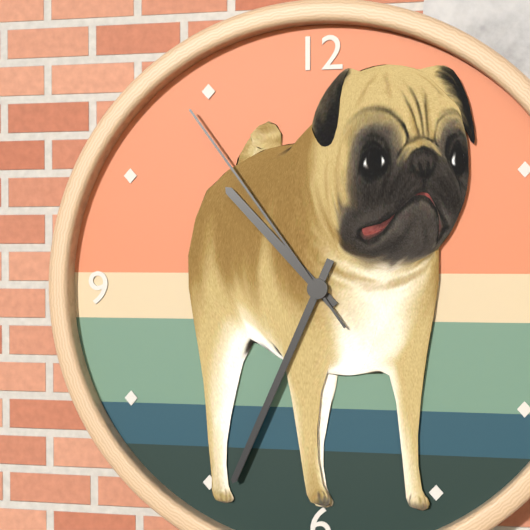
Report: {"hour": 10, "minute": 34, "second": 54}
